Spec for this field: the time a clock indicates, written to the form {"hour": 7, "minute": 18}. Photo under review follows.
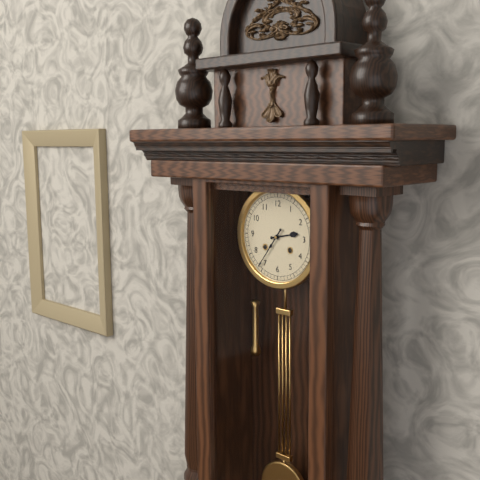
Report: {"hour": 2, "minute": 36}
